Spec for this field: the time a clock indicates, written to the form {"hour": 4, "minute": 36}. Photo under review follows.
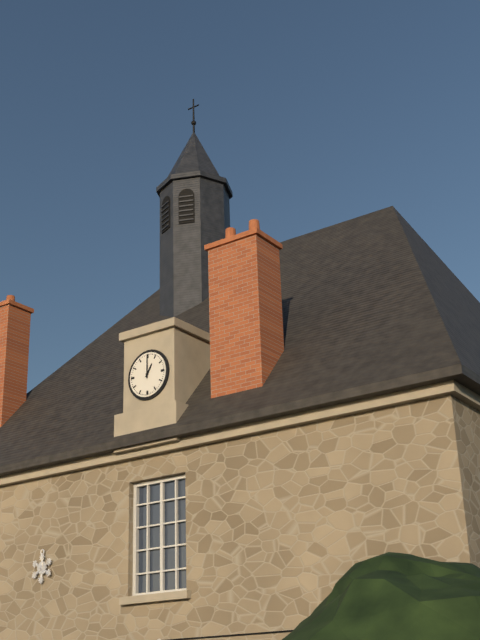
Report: {"hour": 1, "minute": 0}
